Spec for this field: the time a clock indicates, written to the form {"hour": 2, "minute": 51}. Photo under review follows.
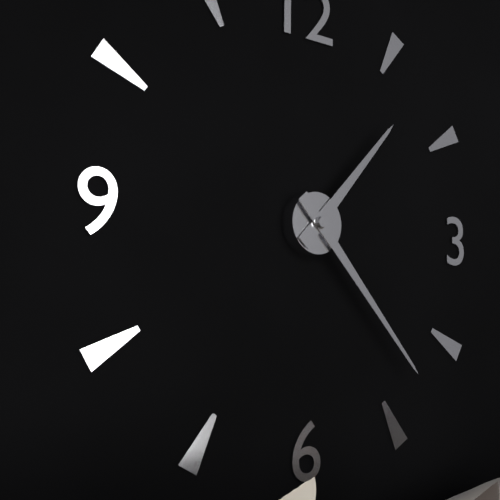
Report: {"hour": 1, "minute": 23}
